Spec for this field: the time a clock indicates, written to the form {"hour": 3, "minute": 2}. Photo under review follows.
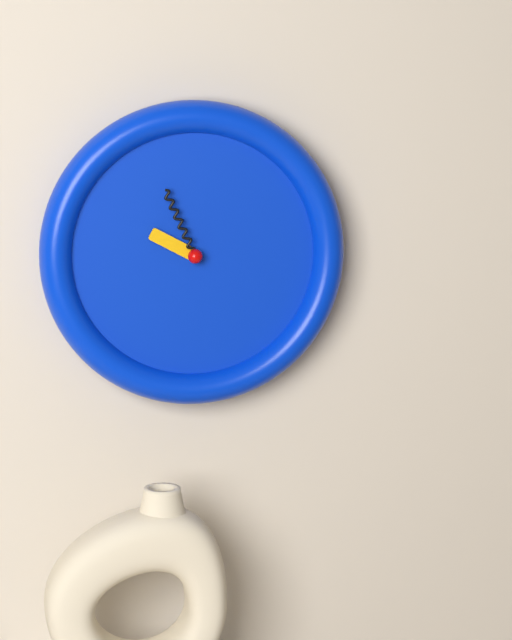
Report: {"hour": 9, "minute": 56}
